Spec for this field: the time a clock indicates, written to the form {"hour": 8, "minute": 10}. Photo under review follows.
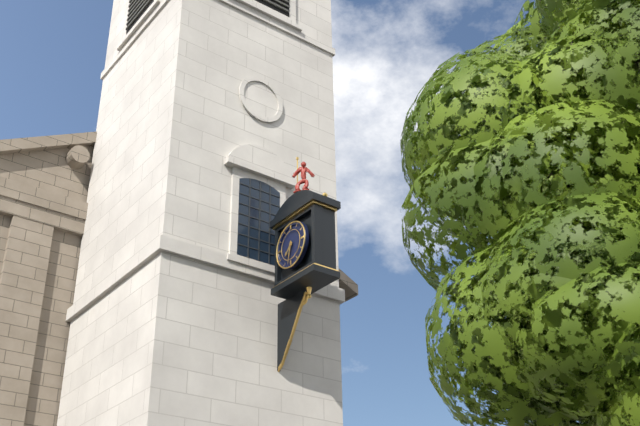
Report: {"hour": 7, "minute": 32}
